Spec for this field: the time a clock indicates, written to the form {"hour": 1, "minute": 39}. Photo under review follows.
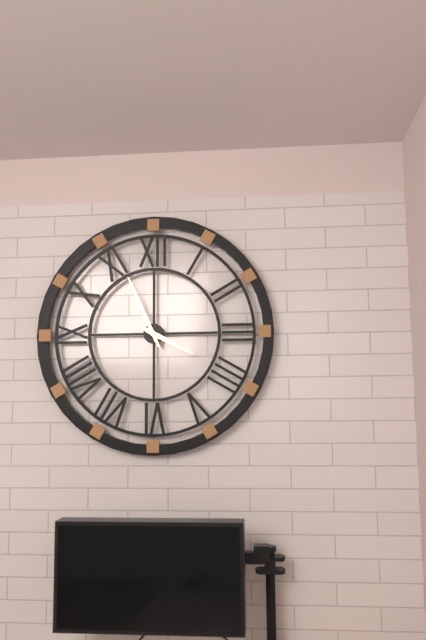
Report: {"hour": 3, "minute": 56}
